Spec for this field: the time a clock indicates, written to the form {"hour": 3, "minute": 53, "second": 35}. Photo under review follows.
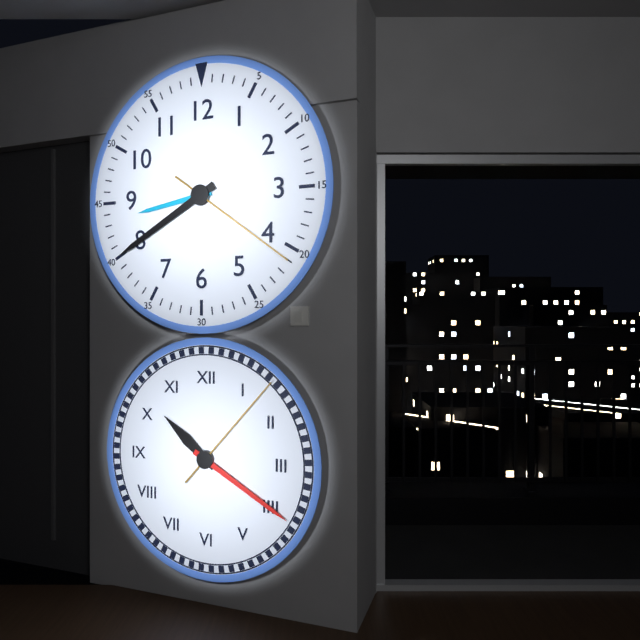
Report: {"hour": 8, "minute": 40, "second": 21}
